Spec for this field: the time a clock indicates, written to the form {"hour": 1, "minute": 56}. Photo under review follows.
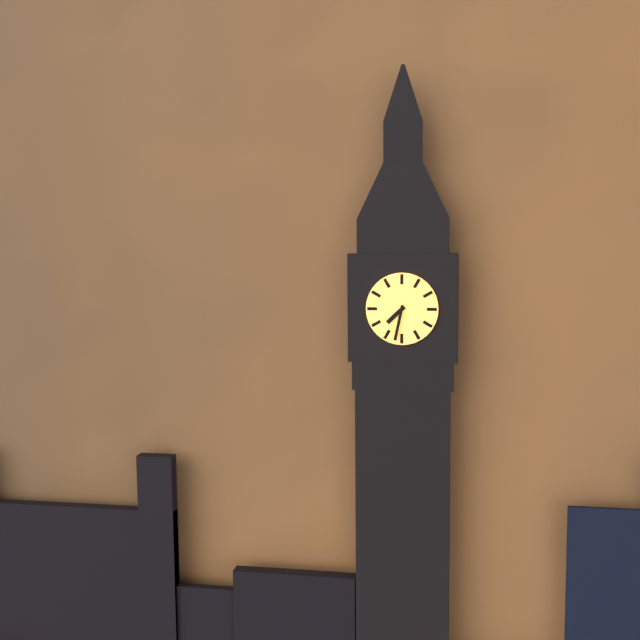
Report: {"hour": 7, "minute": 32}
